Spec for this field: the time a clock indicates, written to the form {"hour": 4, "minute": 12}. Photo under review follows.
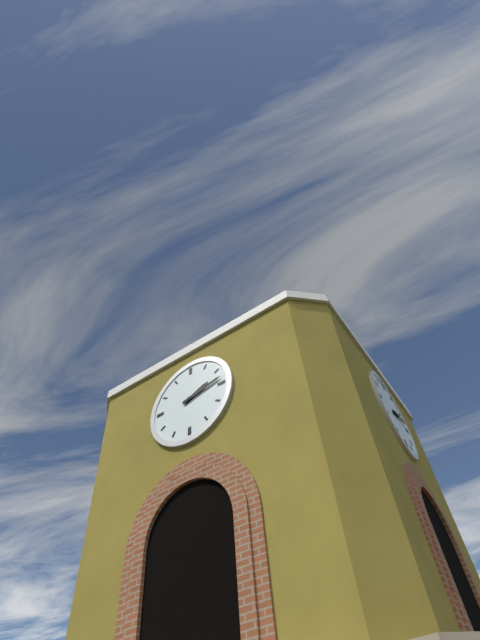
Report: {"hour": 2, "minute": 13}
